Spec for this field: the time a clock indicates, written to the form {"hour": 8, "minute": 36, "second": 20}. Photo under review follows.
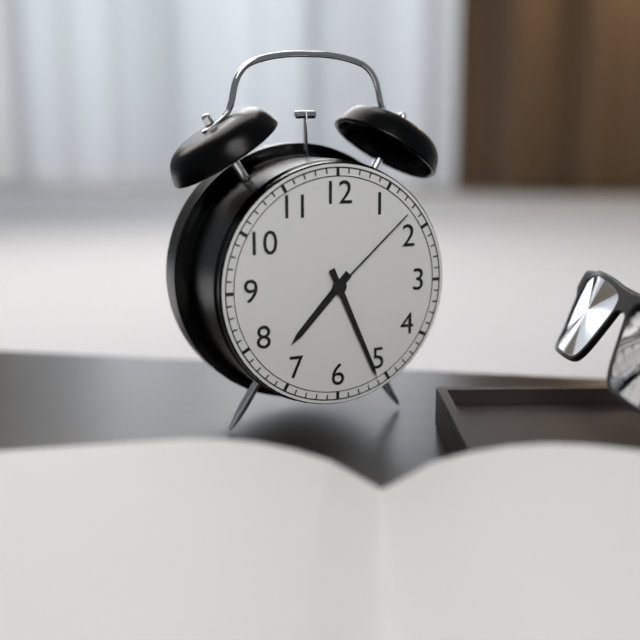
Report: {"hour": 7, "minute": 26, "second": 8}
